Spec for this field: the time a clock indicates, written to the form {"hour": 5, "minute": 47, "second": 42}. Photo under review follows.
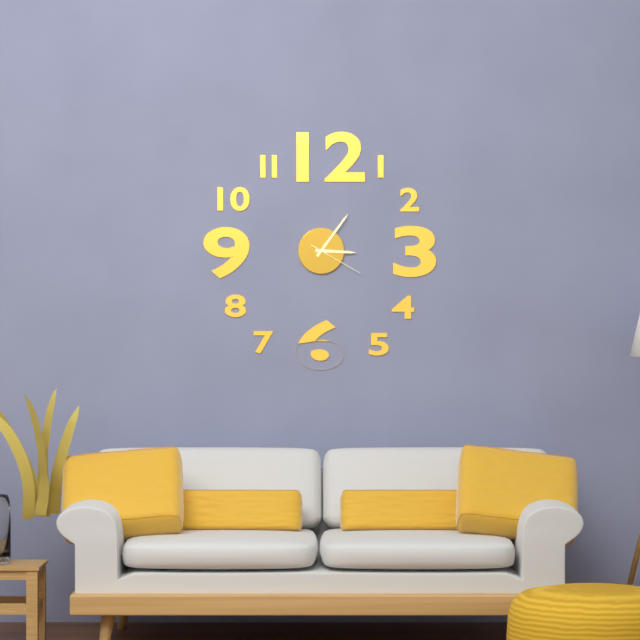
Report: {"hour": 3, "minute": 6, "second": 20}
